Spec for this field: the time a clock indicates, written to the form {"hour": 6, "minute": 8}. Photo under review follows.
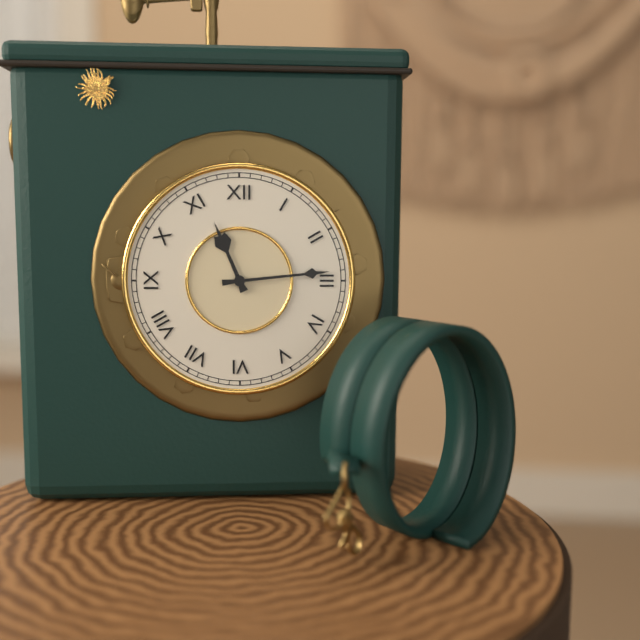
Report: {"hour": 11, "minute": 14}
